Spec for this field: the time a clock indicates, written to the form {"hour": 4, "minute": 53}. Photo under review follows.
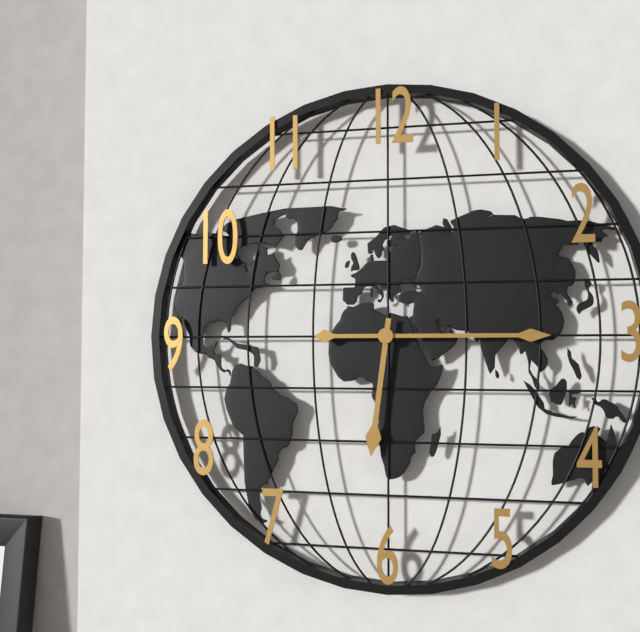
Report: {"hour": 6, "minute": 15}
